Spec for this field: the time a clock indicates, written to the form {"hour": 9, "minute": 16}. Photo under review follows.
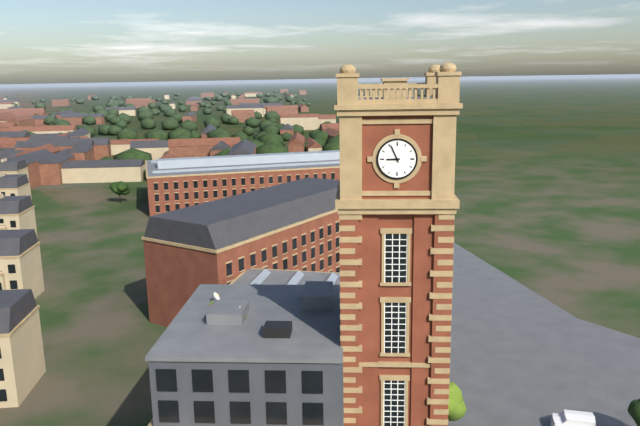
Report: {"hour": 8, "minute": 56}
